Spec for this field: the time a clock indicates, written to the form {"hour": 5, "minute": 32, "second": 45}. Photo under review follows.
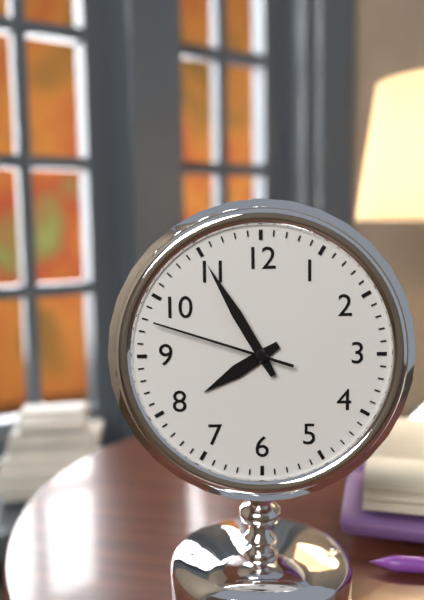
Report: {"hour": 7, "minute": 55, "second": 48}
